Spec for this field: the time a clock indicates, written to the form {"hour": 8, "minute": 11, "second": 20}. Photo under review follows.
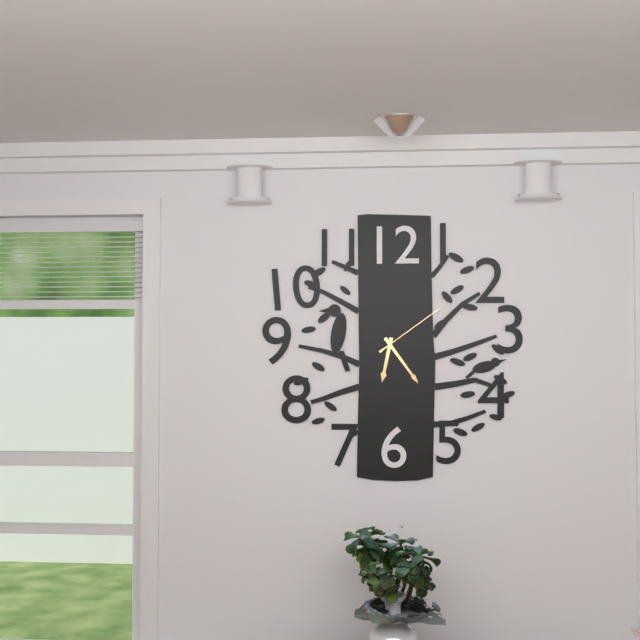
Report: {"hour": 6, "minute": 24, "second": 9}
